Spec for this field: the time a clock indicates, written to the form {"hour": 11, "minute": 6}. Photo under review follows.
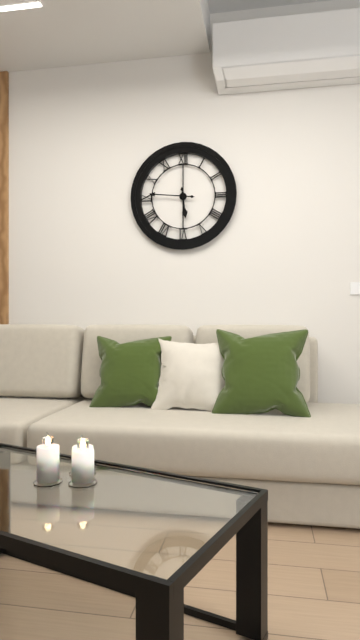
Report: {"hour": 5, "minute": 46}
